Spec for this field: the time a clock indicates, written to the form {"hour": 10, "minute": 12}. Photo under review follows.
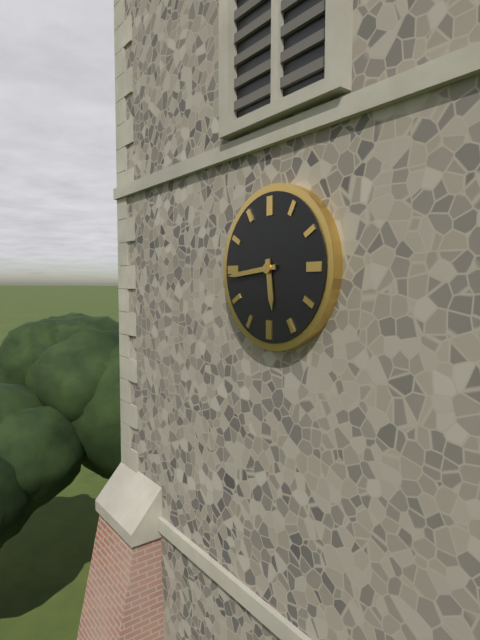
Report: {"hour": 5, "minute": 44}
